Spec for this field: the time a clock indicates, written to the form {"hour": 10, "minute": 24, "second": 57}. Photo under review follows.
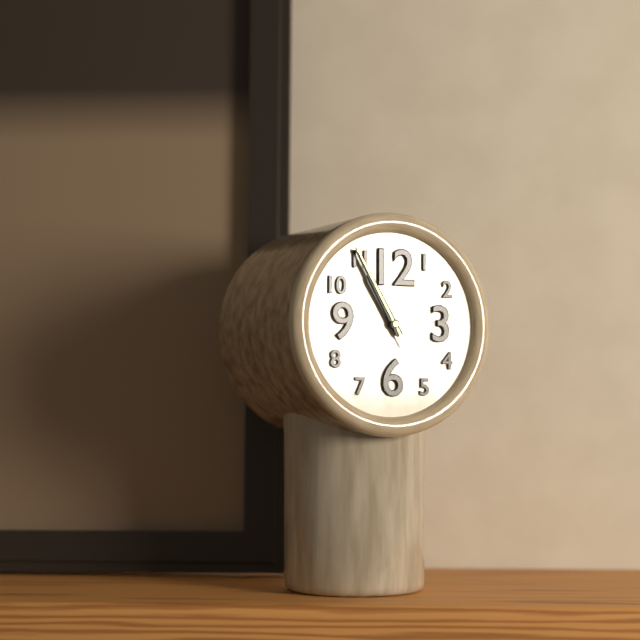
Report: {"hour": 10, "minute": 55, "second": 55}
